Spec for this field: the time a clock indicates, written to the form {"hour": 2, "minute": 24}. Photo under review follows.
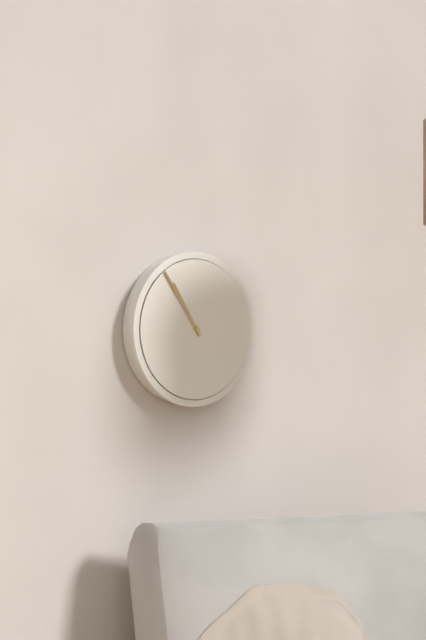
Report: {"hour": 10, "minute": 54}
